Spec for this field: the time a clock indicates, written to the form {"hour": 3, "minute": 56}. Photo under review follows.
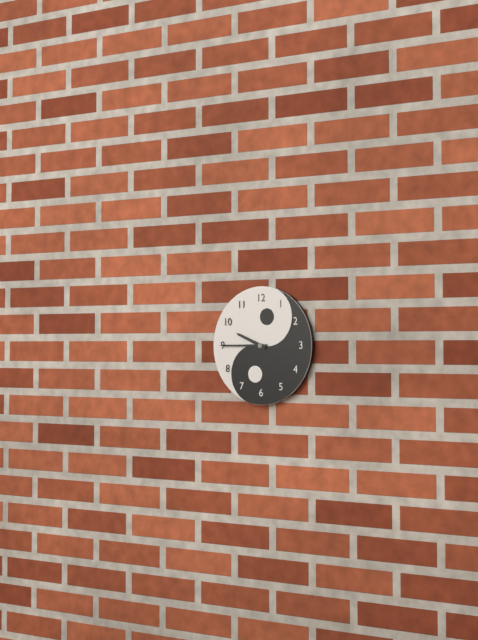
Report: {"hour": 9, "minute": 45}
